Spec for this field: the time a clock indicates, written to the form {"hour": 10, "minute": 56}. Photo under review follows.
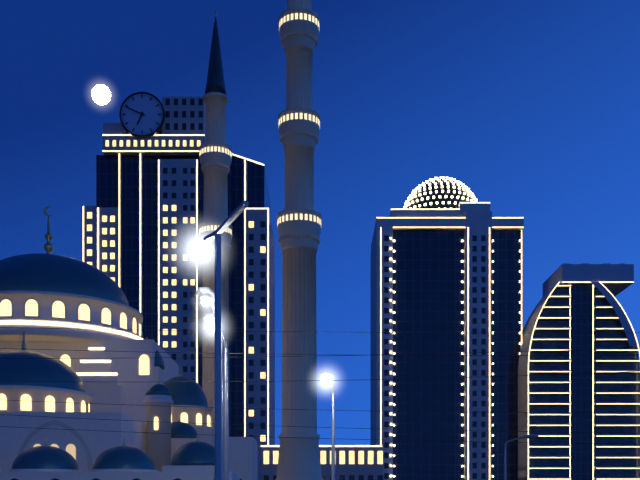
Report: {"hour": 6, "minute": 49}
